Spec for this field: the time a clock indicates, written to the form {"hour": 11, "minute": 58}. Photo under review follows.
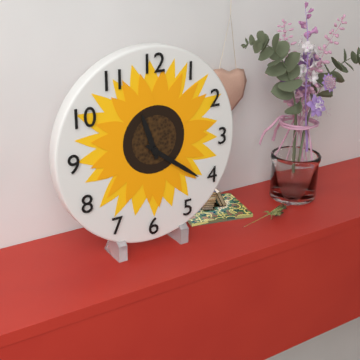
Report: {"hour": 11, "minute": 21}
